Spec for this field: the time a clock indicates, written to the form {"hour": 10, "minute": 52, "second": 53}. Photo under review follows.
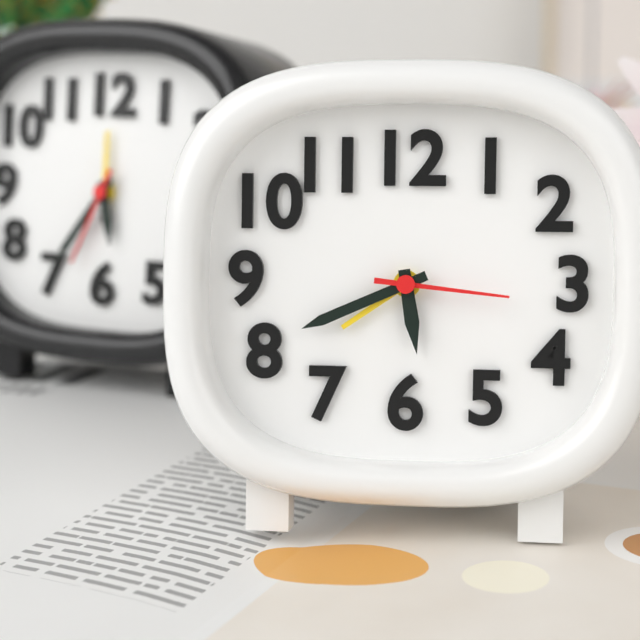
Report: {"hour": 5, "minute": 41, "second": 16}
